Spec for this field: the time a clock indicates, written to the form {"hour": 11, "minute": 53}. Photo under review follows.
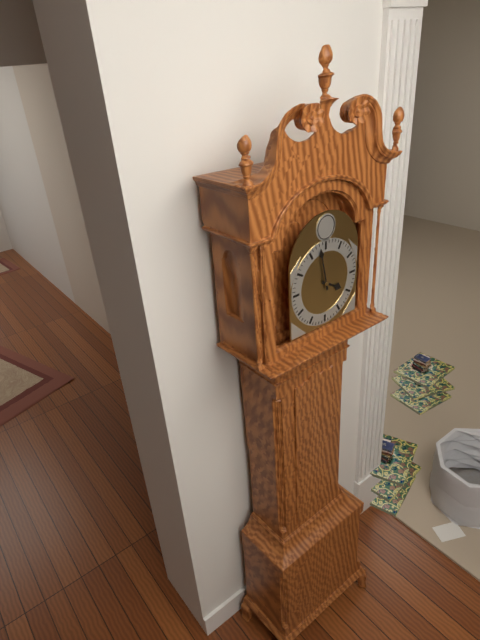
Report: {"hour": 3, "minute": 58}
